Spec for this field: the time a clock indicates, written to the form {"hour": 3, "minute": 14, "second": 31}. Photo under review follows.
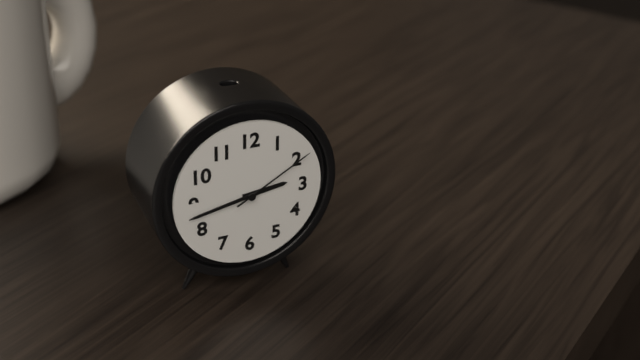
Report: {"hour": 2, "minute": 43, "second": 10}
